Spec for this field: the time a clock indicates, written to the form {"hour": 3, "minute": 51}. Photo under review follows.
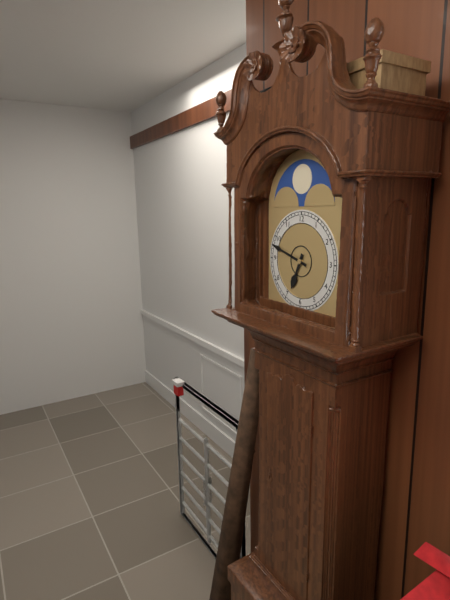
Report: {"hour": 6, "minute": 48}
